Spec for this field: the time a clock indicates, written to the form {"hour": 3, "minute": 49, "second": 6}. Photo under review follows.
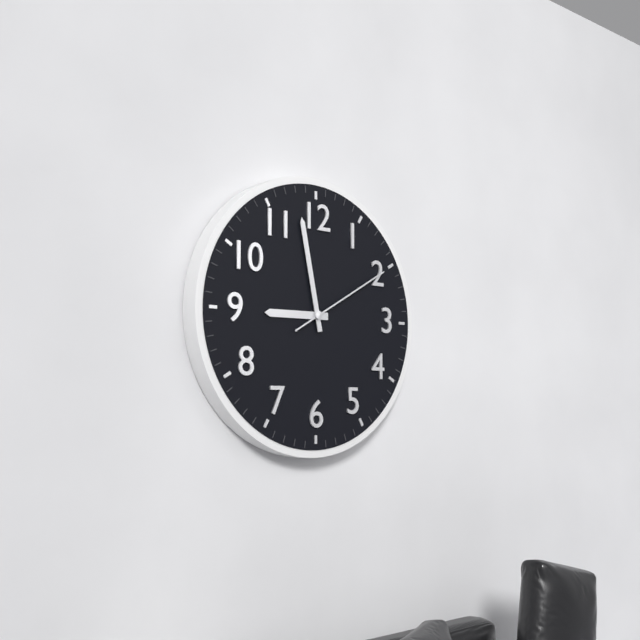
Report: {"hour": 8, "minute": 58, "second": 10}
